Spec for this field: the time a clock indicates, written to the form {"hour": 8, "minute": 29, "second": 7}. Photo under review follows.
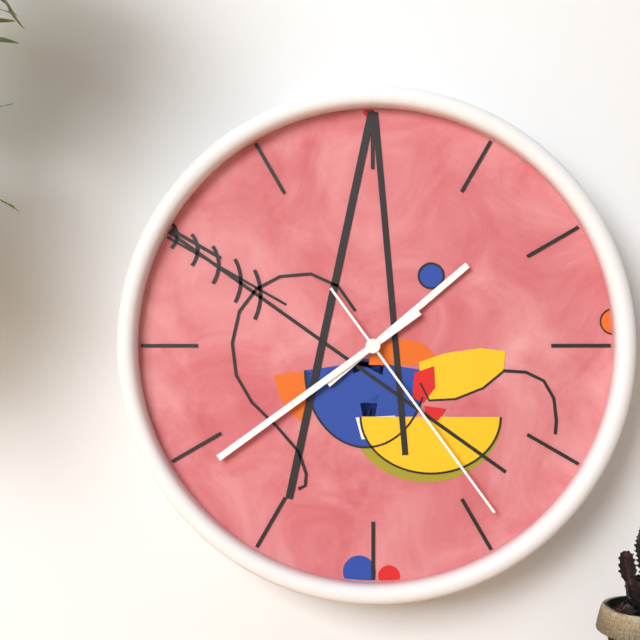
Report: {"hour": 1, "minute": 39, "second": 24}
